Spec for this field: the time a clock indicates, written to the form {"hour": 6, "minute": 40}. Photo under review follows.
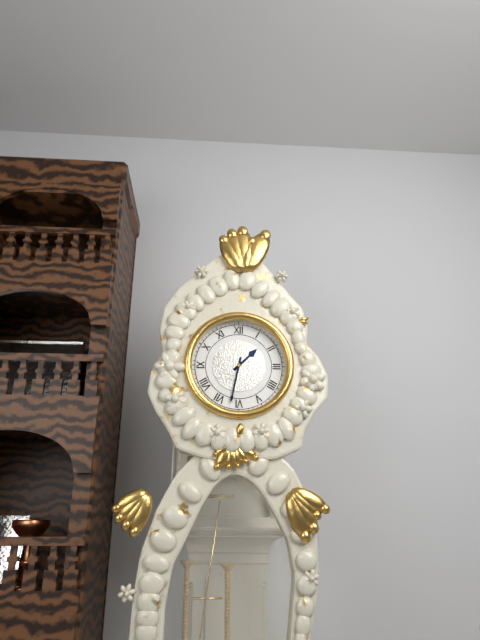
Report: {"hour": 1, "minute": 32}
